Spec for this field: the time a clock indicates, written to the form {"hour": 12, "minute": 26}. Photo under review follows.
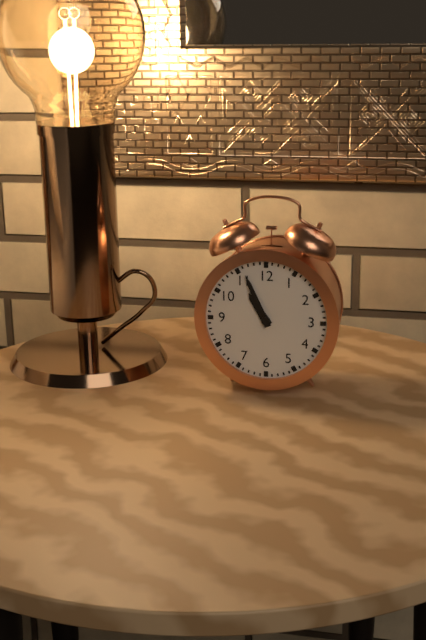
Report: {"hour": 10, "minute": 56}
